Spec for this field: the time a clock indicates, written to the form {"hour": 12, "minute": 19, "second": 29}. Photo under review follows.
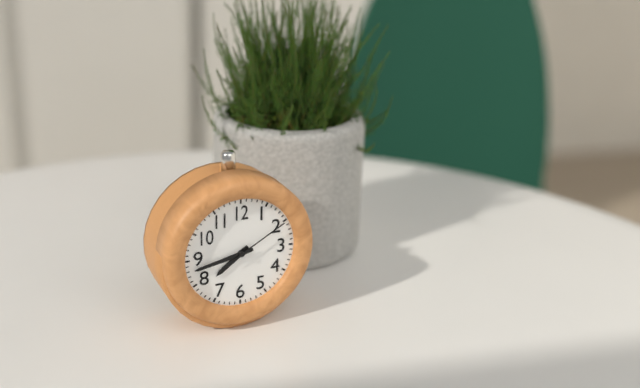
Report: {"hour": 7, "minute": 43, "second": 10}
